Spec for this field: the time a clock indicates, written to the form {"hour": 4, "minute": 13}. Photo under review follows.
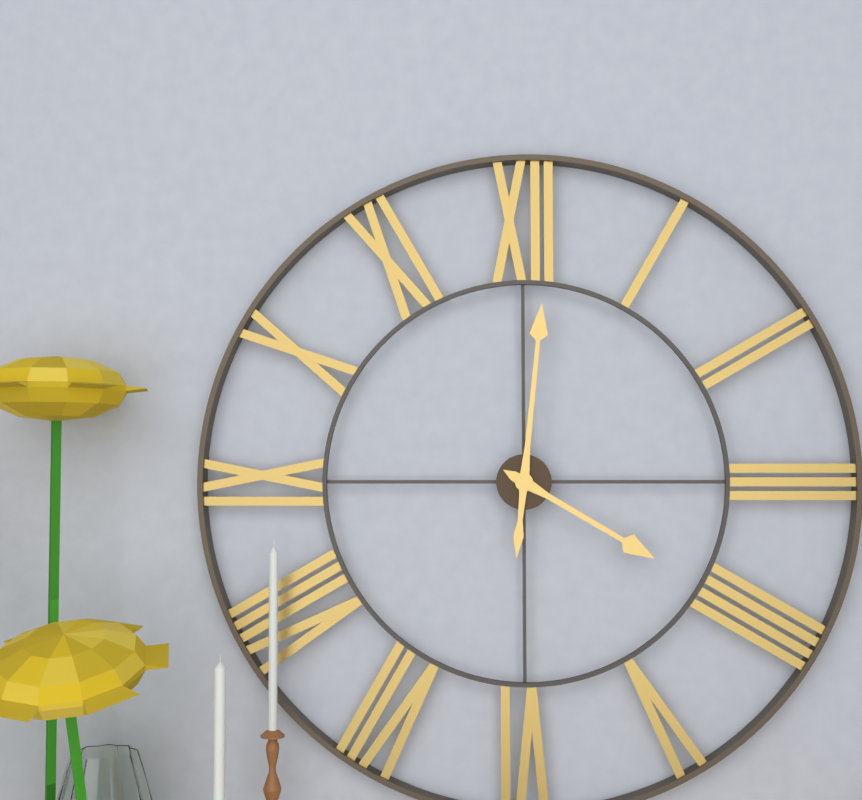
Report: {"hour": 4, "minute": 1}
